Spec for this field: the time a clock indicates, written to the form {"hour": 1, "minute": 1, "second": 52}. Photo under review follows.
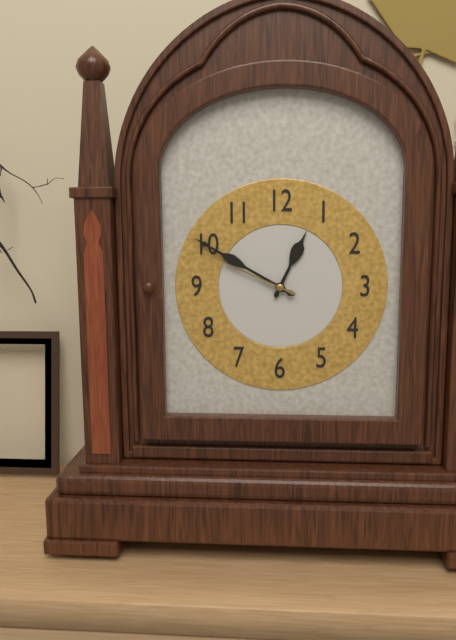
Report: {"hour": 12, "minute": 50, "second": 49}
